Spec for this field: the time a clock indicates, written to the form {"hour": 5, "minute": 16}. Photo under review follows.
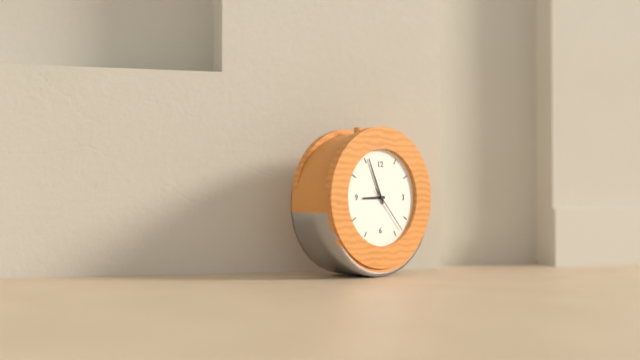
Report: {"hour": 8, "minute": 56}
